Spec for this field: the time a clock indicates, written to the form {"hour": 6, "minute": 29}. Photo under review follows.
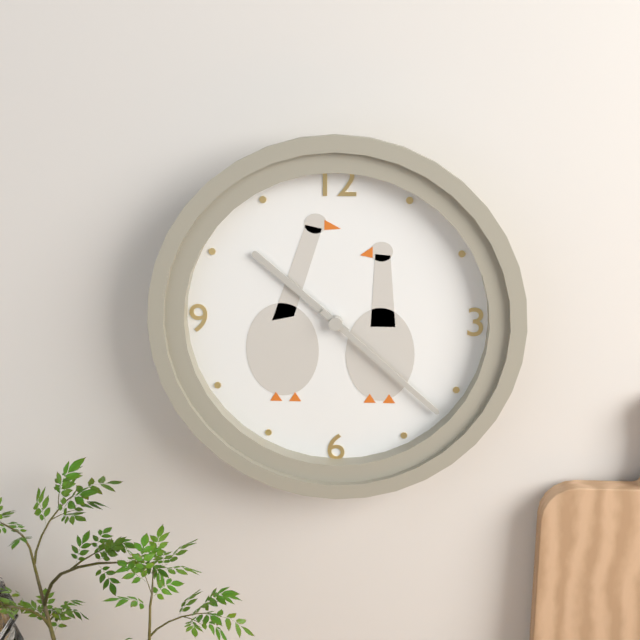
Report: {"hour": 10, "minute": 22}
